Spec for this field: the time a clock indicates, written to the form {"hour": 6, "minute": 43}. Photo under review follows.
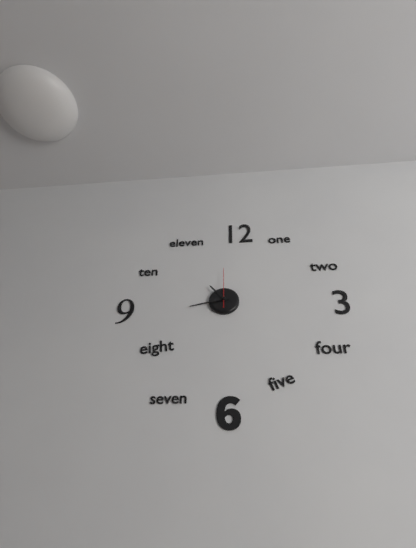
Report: {"hour": 10, "minute": 43}
